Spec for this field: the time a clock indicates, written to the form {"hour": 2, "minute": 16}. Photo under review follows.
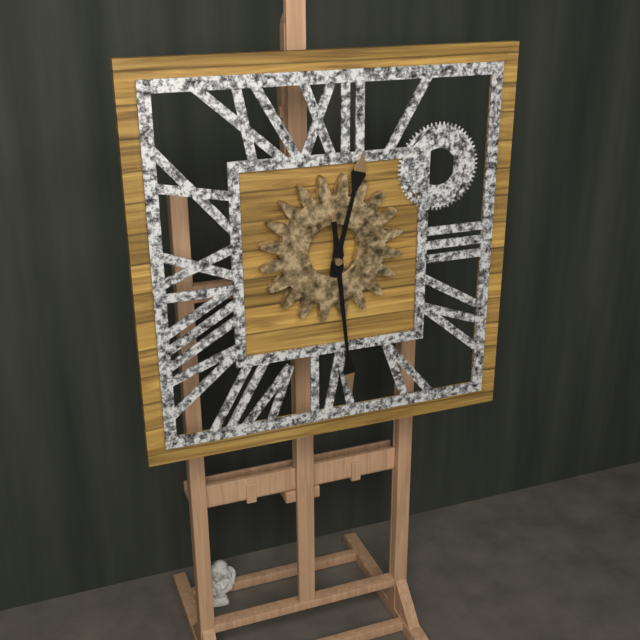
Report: {"hour": 12, "minute": 29}
